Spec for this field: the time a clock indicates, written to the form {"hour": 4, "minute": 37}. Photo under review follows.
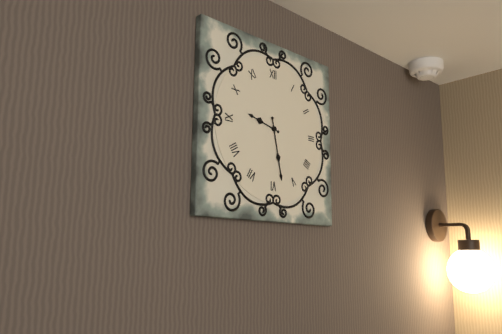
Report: {"hour": 9, "minute": 28}
